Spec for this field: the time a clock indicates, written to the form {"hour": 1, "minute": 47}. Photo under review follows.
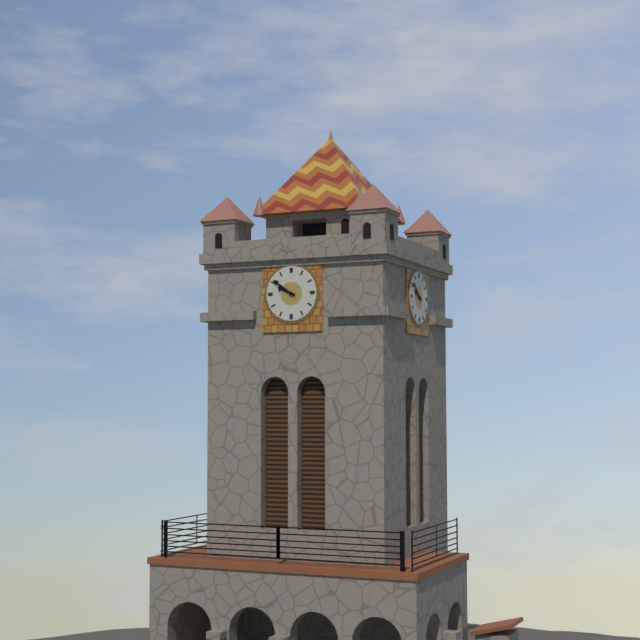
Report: {"hour": 9, "minute": 51}
